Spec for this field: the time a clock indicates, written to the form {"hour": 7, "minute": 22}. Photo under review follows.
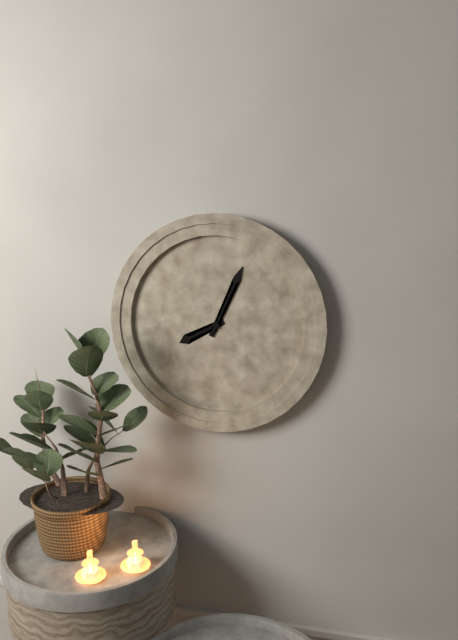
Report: {"hour": 8, "minute": 4}
